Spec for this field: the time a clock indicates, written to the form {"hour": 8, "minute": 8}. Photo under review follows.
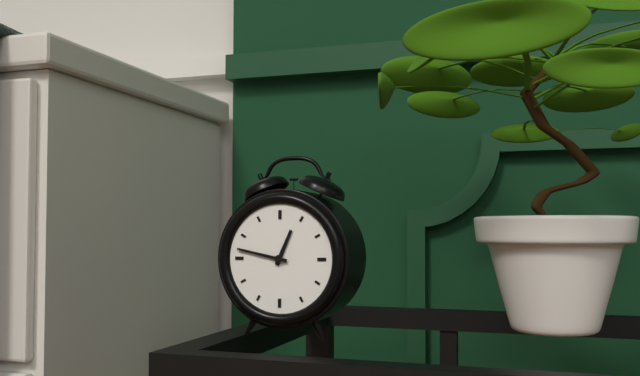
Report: {"hour": 12, "minute": 47}
